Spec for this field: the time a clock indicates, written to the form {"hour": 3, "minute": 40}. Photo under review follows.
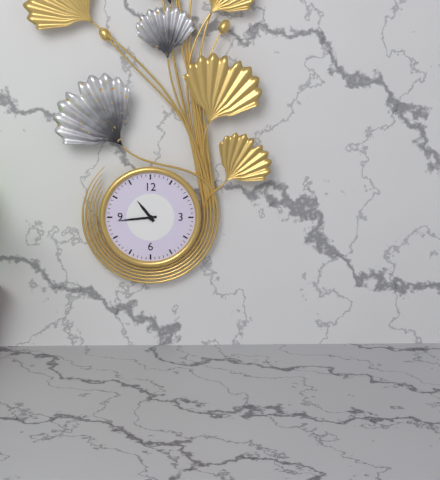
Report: {"hour": 10, "minute": 44}
